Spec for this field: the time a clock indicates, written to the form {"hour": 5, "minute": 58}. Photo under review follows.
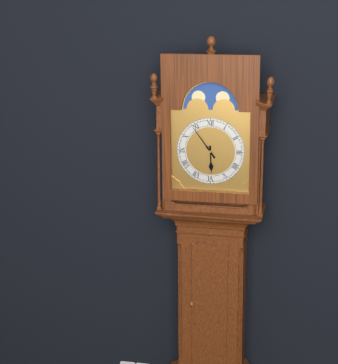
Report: {"hour": 5, "minute": 54}
